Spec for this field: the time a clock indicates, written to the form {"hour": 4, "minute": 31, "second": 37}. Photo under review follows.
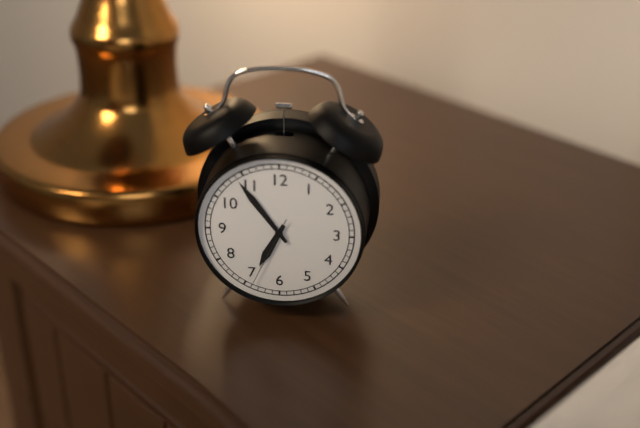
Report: {"hour": 6, "minute": 54, "second": 34}
